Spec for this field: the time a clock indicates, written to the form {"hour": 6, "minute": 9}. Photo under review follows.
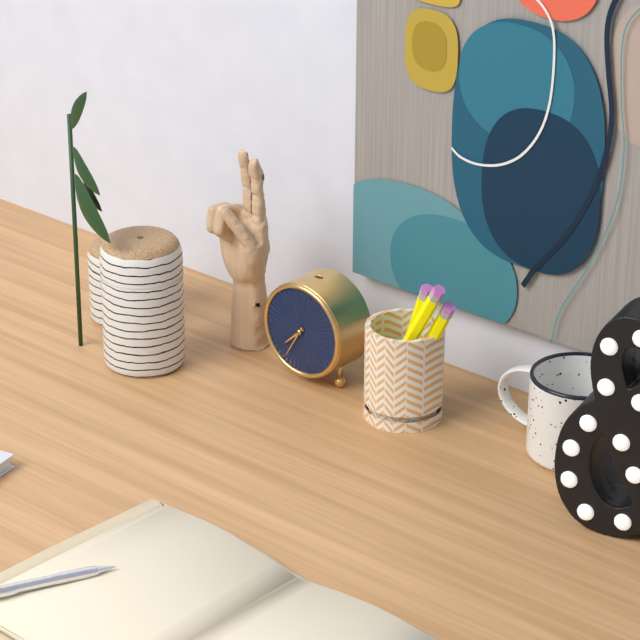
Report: {"hour": 7, "minute": 35}
